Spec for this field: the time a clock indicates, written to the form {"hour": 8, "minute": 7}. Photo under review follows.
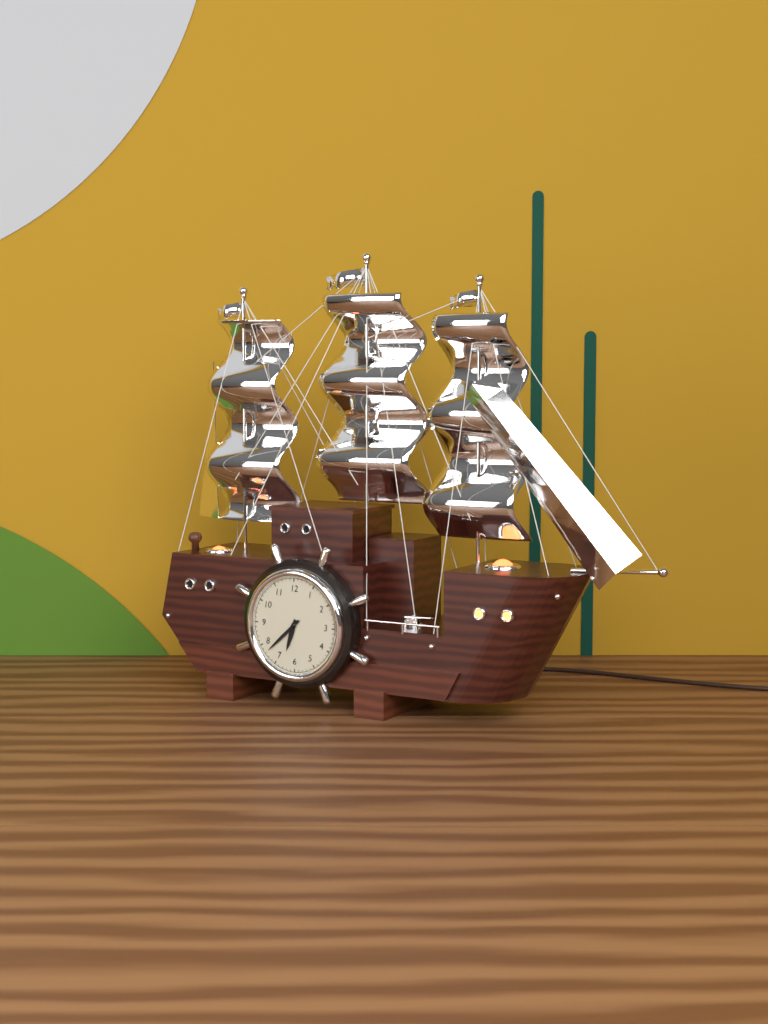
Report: {"hour": 6, "minute": 38}
